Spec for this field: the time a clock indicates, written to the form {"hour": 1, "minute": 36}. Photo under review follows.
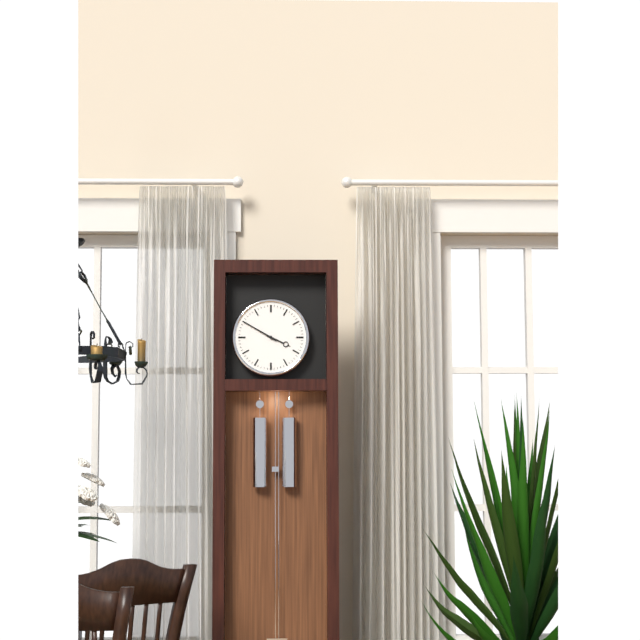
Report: {"hour": 3, "minute": 50}
